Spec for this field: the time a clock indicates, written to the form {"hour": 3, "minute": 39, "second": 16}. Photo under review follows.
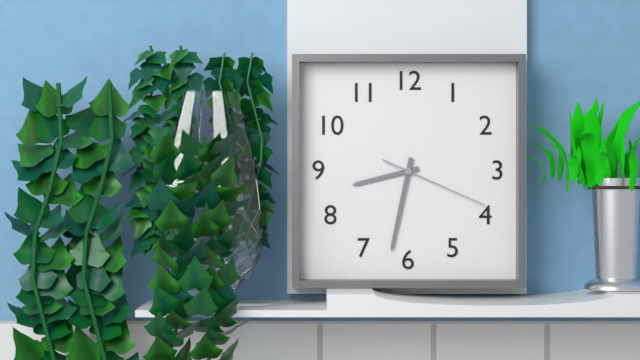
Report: {"hour": 8, "minute": 32, "second": 19}
